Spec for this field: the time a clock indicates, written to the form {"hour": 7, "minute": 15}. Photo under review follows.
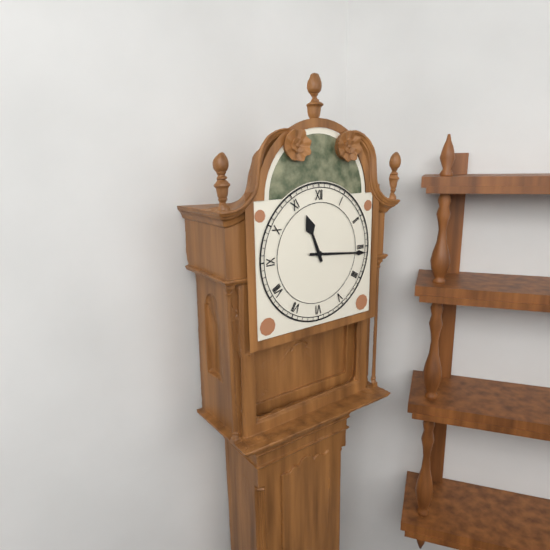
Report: {"hour": 11, "minute": 16}
